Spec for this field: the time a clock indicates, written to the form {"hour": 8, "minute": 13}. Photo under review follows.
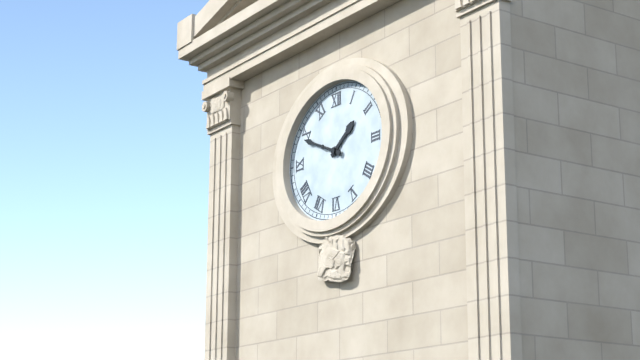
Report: {"hour": 1, "minute": 49}
